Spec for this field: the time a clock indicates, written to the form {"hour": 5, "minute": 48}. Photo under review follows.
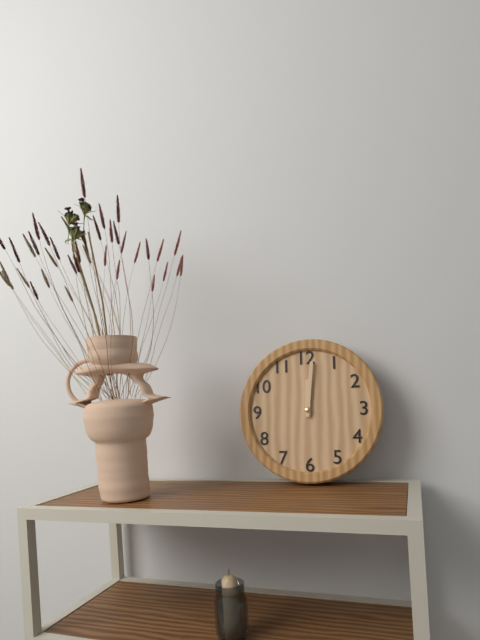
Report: {"hour": 12, "minute": 1}
